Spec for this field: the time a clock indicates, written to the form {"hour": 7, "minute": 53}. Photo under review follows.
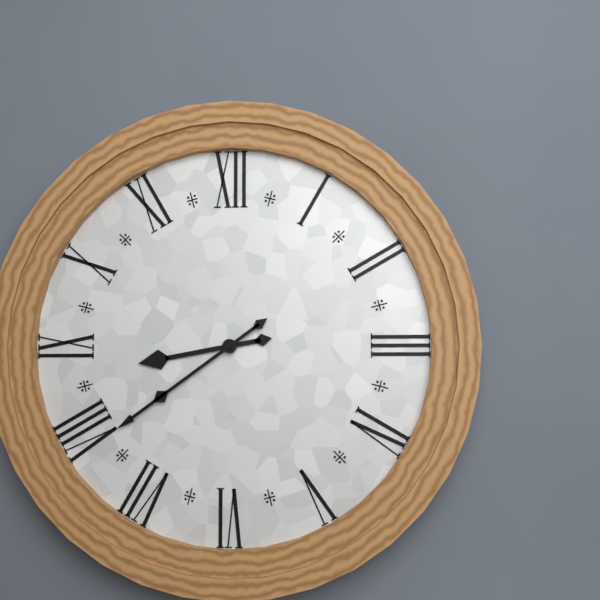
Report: {"hour": 8, "minute": 39}
